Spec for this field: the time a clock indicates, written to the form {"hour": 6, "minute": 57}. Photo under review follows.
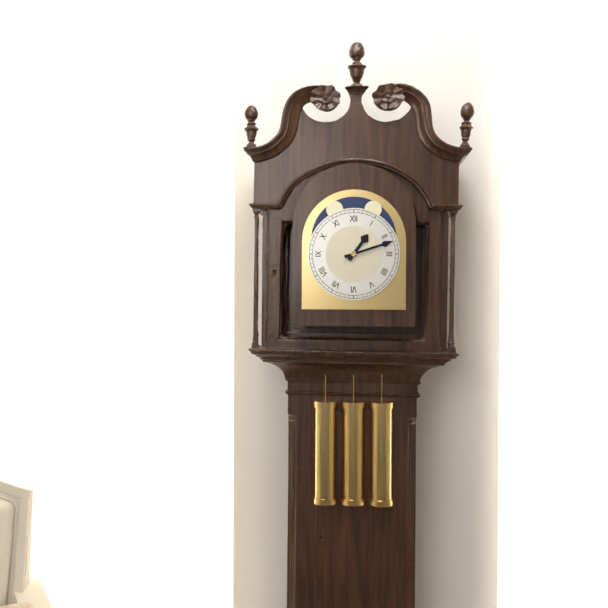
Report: {"hour": 1, "minute": 12}
